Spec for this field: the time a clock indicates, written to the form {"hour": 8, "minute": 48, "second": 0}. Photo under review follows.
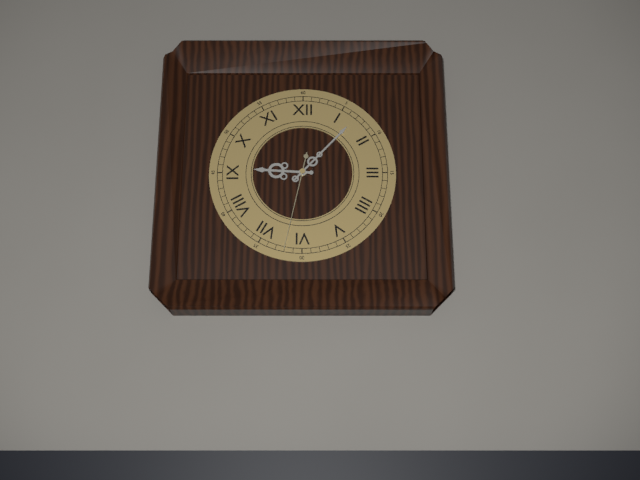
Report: {"hour": 9, "minute": 7, "second": 32}
